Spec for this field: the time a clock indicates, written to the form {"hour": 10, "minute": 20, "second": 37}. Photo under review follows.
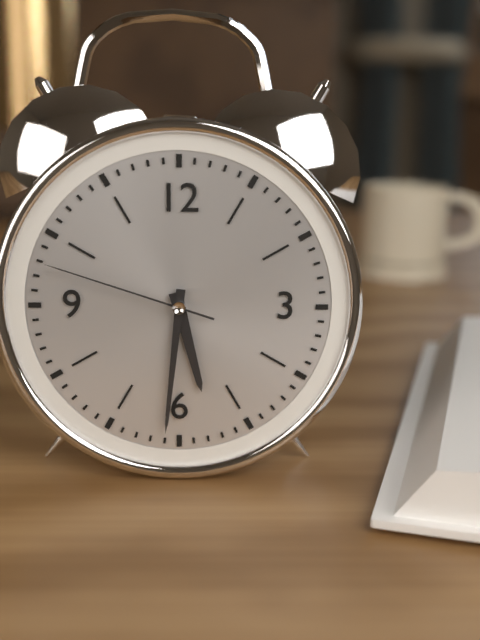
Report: {"hour": 5, "minute": 31, "second": 48}
